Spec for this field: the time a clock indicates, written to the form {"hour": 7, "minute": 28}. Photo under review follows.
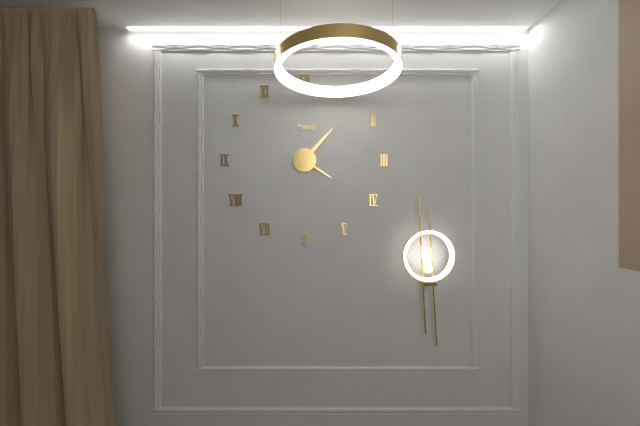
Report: {"hour": 4, "minute": 7}
